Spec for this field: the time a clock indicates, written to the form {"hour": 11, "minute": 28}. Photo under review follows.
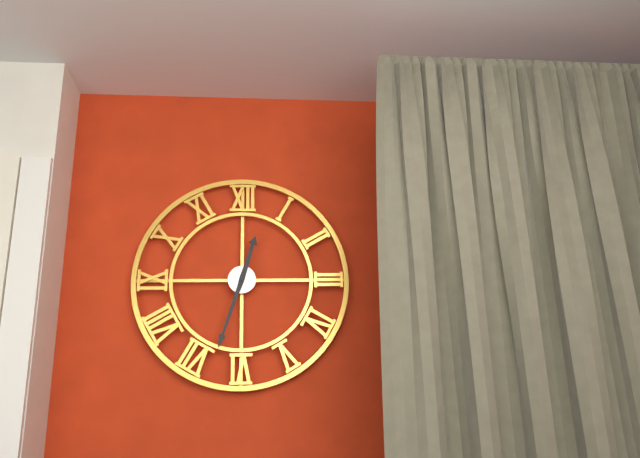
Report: {"hour": 12, "minute": 33}
